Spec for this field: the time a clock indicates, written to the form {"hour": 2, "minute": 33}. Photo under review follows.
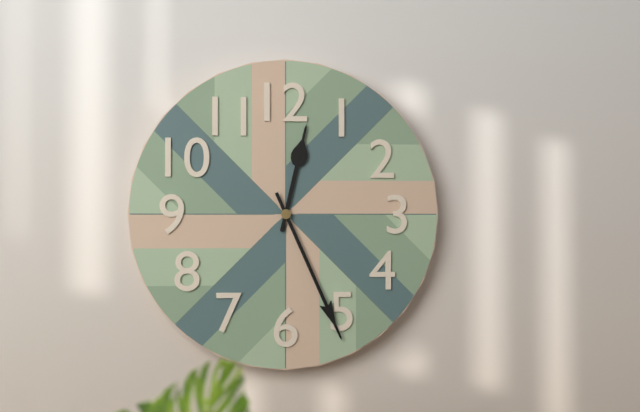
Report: {"hour": 12, "minute": 26}
